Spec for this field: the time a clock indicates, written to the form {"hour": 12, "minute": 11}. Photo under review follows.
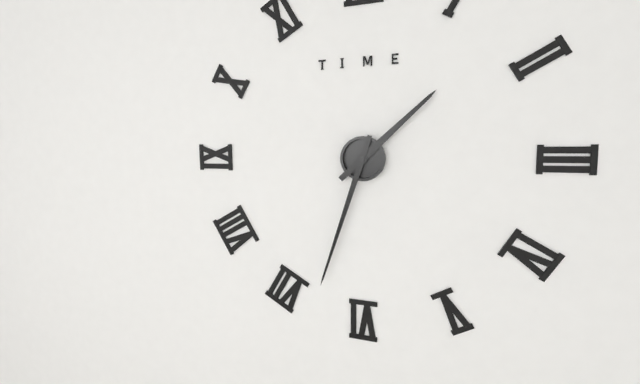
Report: {"hour": 1, "minute": 33}
